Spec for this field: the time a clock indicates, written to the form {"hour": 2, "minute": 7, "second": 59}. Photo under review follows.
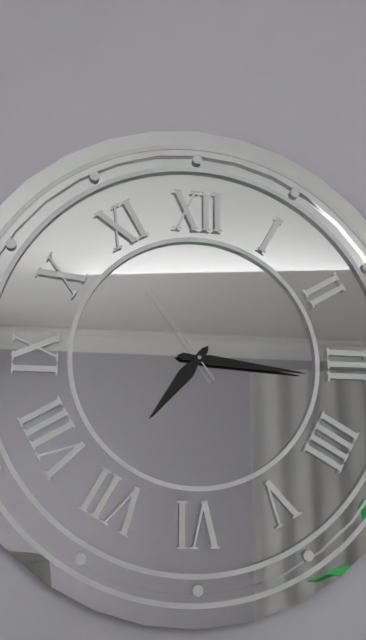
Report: {"hour": 7, "minute": 16, "second": 54}
